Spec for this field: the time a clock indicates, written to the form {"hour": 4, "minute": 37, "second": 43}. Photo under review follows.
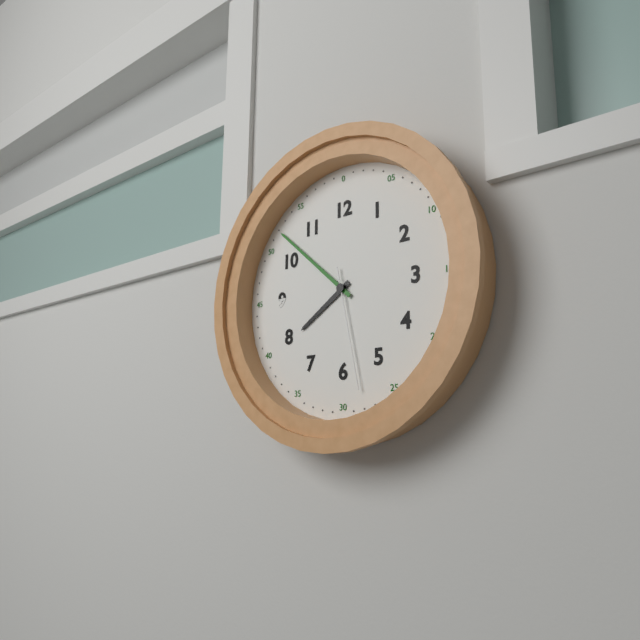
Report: {"hour": 7, "minute": 52, "second": 28}
